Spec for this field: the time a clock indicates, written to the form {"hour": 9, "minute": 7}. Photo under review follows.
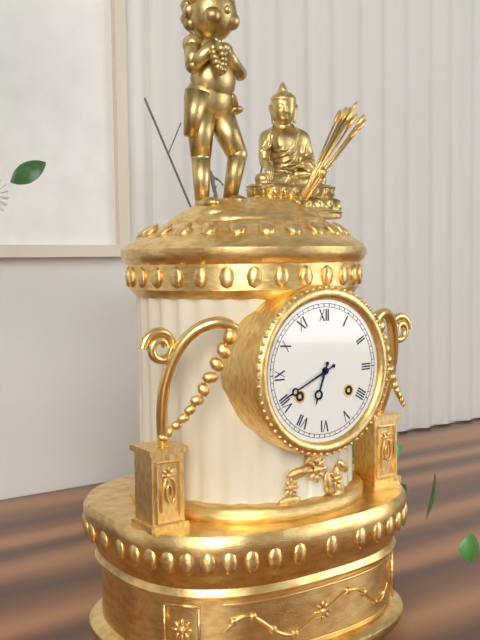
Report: {"hour": 6, "minute": 41}
